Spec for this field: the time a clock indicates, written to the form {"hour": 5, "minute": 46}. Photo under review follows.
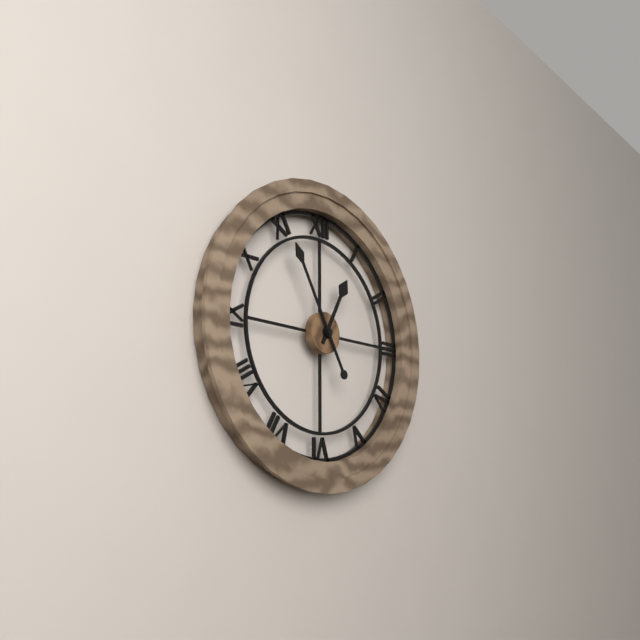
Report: {"hour": 12, "minute": 55}
